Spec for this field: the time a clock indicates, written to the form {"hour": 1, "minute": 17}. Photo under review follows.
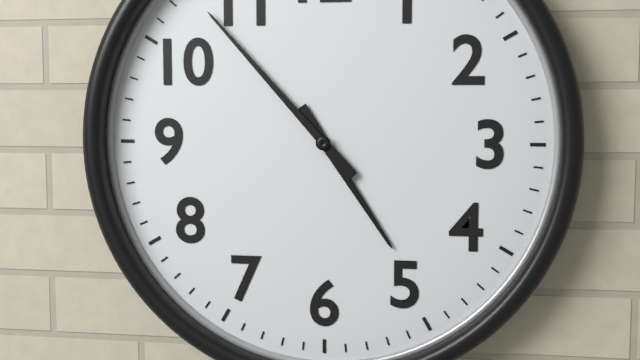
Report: {"hour": 4, "minute": 53}
